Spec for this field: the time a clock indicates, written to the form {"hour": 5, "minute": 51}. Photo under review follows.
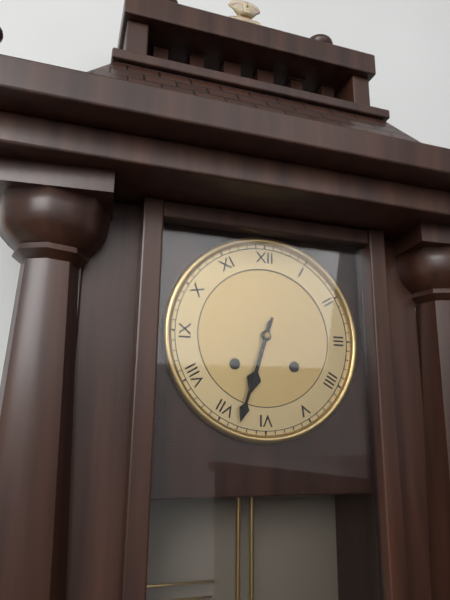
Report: {"hour": 6, "minute": 33}
